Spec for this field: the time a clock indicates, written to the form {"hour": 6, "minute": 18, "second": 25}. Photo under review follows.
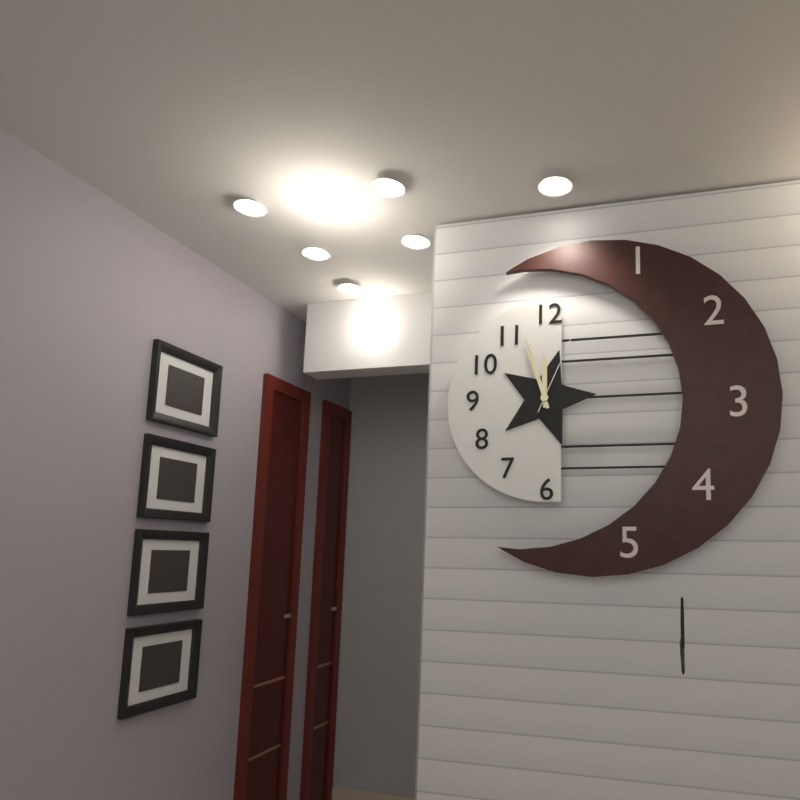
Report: {"hour": 11, "minute": 57, "second": 4}
